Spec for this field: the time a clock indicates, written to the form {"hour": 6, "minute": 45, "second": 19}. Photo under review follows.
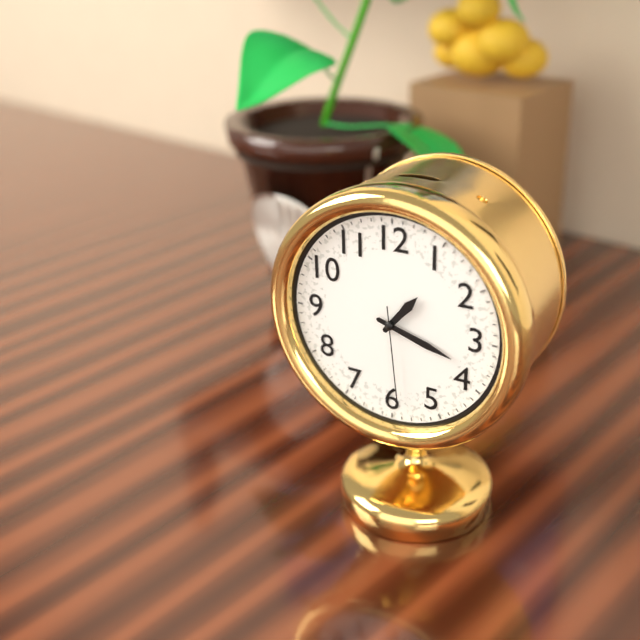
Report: {"hour": 1, "minute": 18, "second": 29}
